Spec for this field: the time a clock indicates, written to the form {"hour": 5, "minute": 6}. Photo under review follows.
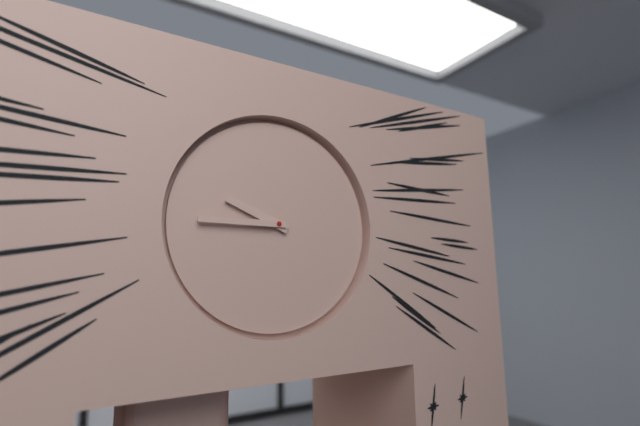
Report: {"hour": 9, "minute": 45}
